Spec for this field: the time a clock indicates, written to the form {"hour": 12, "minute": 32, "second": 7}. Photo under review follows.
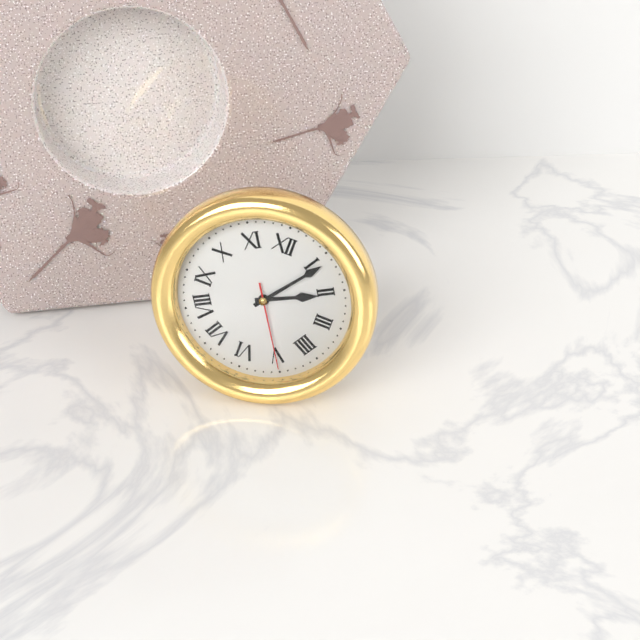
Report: {"hour": 2, "minute": 6, "second": 25}
